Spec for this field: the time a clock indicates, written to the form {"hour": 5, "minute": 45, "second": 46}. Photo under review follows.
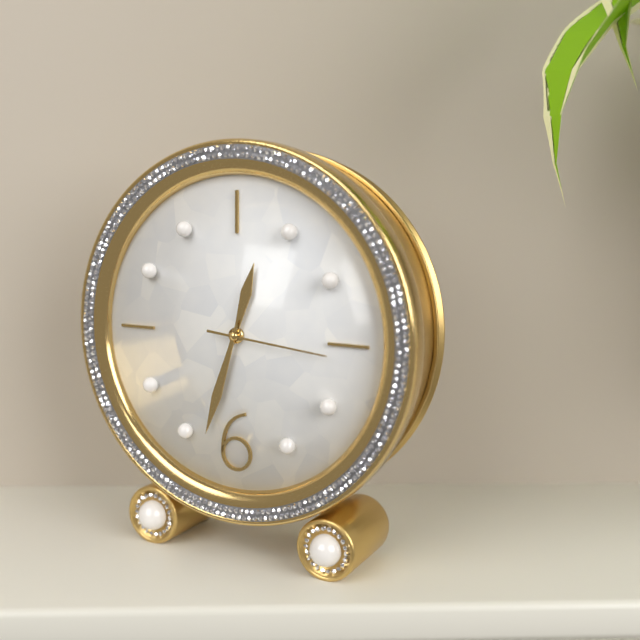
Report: {"hour": 12, "minute": 33, "second": 16}
